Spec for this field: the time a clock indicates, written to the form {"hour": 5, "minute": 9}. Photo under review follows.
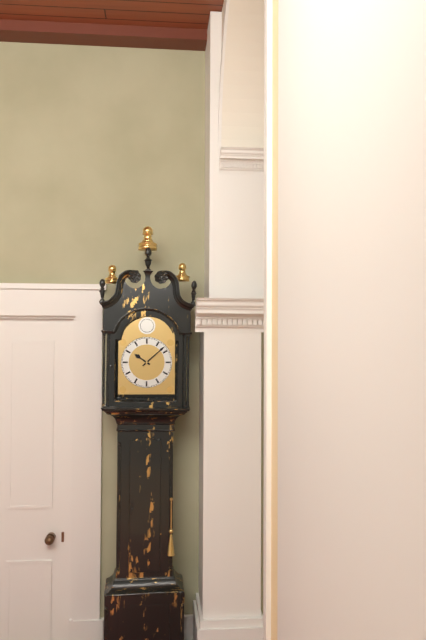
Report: {"hour": 10, "minute": 8}
